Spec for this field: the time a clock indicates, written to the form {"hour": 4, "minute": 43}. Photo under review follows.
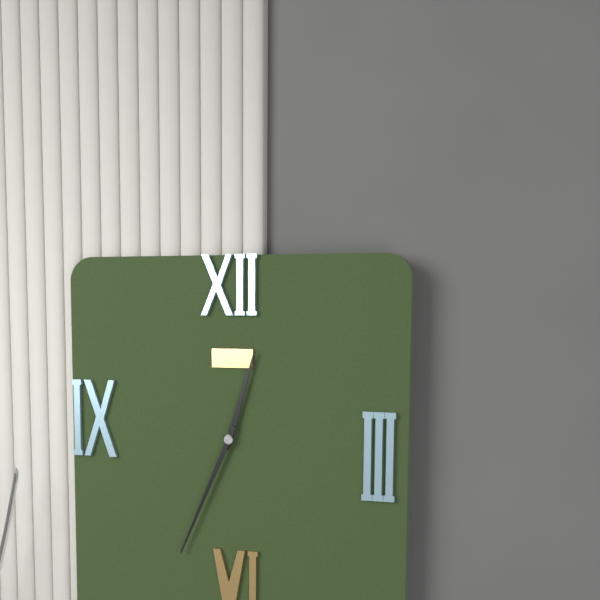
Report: {"hour": 12, "minute": 34}
